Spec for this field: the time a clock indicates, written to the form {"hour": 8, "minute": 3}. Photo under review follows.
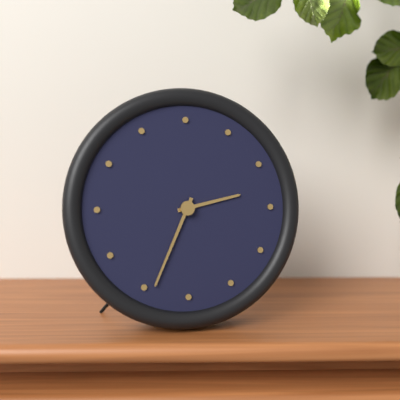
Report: {"hour": 2, "minute": 34}
